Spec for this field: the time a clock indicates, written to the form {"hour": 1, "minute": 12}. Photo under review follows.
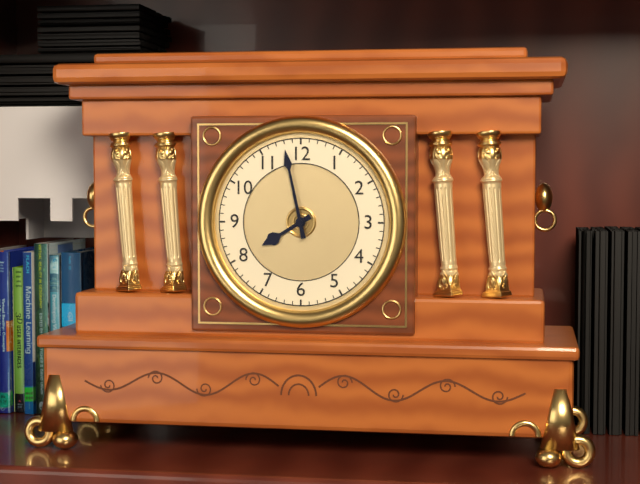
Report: {"hour": 7, "minute": 58}
